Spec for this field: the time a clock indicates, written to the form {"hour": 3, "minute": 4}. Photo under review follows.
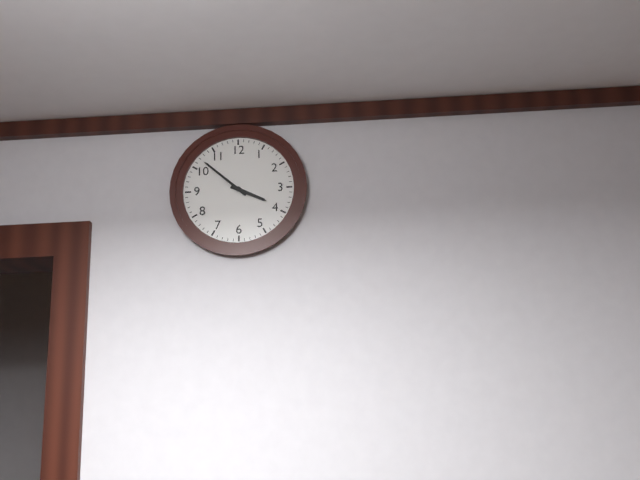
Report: {"hour": 3, "minute": 52}
